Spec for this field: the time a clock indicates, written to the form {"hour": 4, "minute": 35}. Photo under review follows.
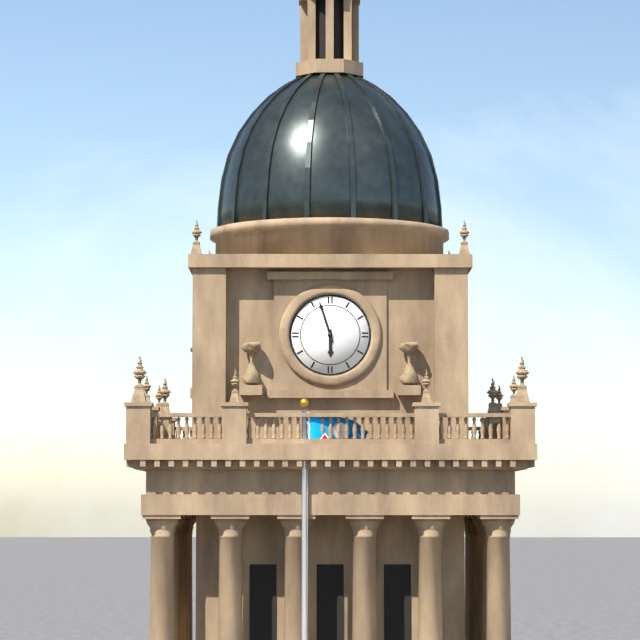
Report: {"hour": 5, "minute": 57}
